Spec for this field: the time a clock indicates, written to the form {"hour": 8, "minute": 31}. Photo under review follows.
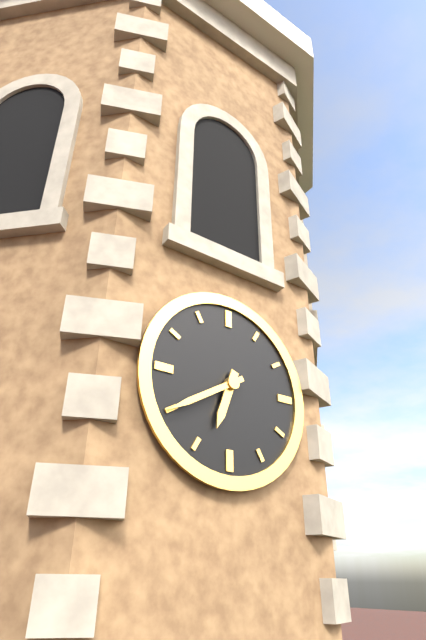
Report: {"hour": 6, "minute": 40}
